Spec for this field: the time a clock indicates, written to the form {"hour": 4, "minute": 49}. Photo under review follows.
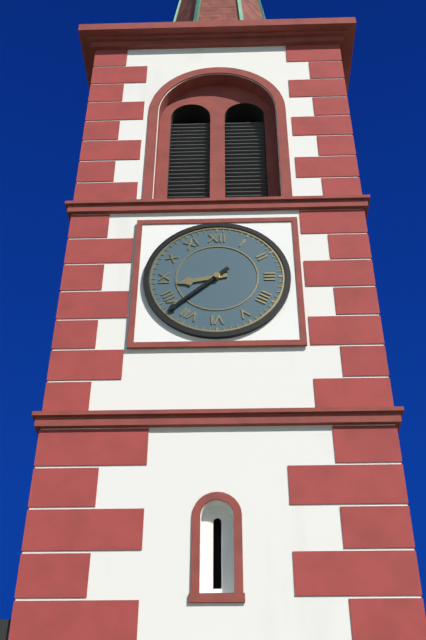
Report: {"hour": 8, "minute": 38}
